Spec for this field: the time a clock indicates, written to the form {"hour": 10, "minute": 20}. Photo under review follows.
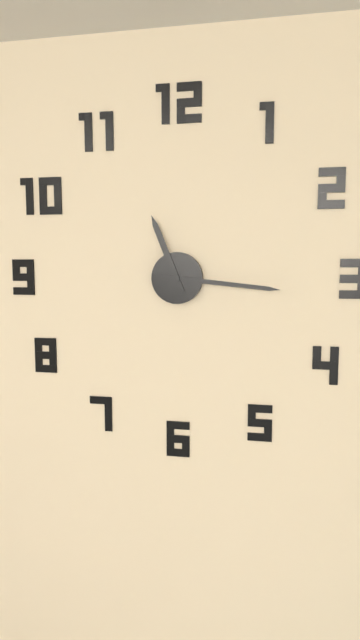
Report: {"hour": 11, "minute": 16}
